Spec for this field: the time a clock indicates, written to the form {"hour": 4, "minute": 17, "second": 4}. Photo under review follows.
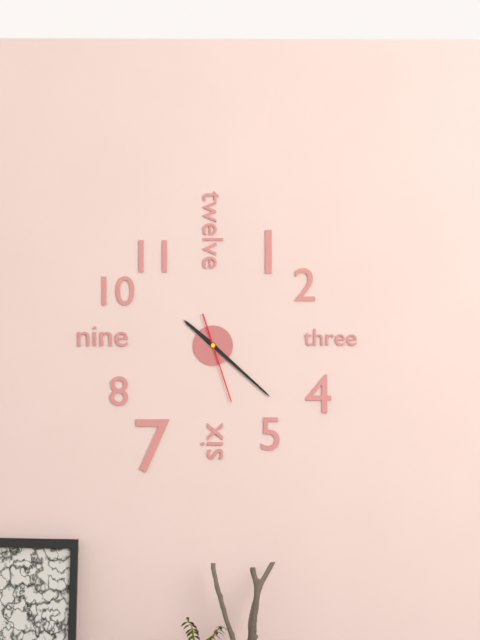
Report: {"hour": 10, "minute": 22, "second": 27}
